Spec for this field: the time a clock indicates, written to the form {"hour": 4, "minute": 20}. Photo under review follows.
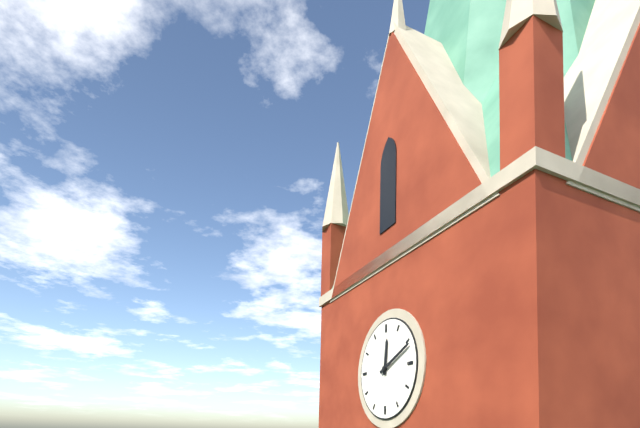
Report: {"hour": 12, "minute": 11}
